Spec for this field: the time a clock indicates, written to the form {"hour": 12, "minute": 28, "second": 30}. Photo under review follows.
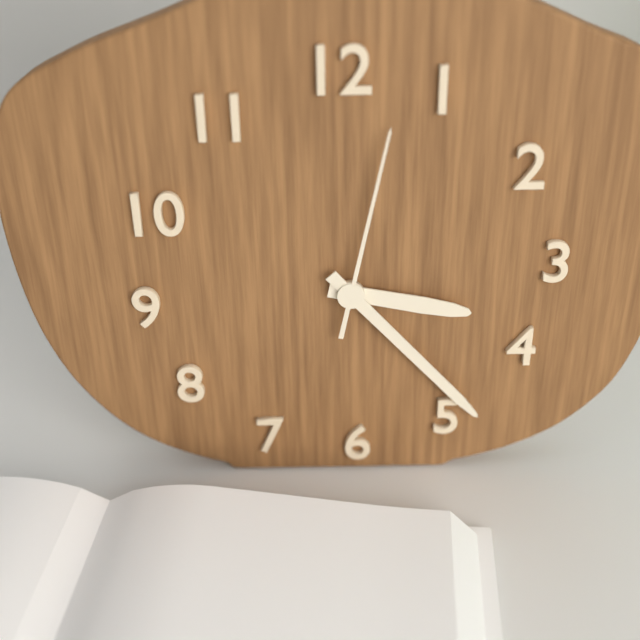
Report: {"hour": 3, "minute": 23, "second": 2}
